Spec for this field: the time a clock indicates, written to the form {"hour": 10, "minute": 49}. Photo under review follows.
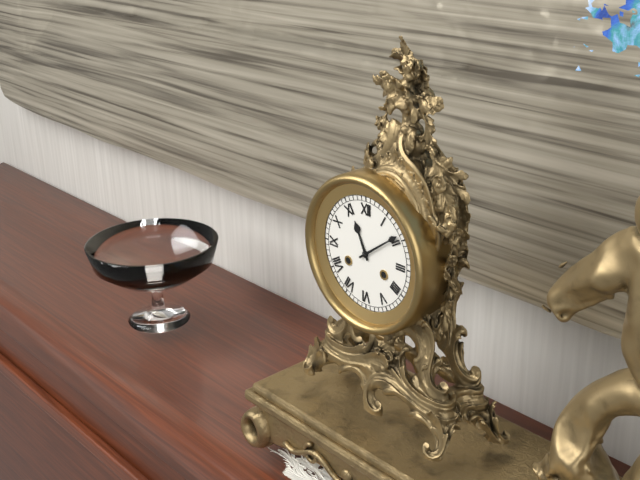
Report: {"hour": 11, "minute": 9}
